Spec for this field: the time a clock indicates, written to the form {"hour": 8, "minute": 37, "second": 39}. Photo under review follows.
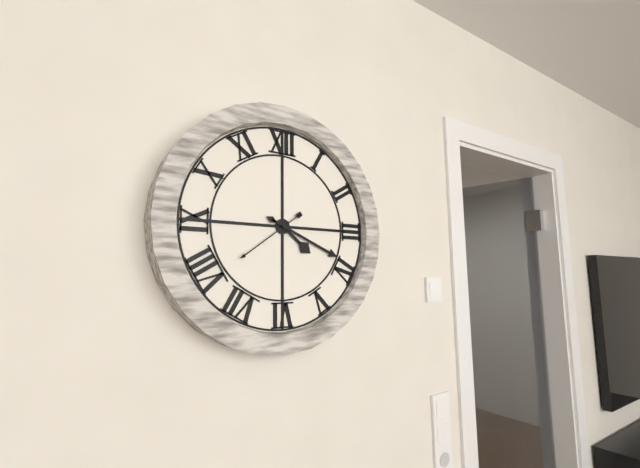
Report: {"hour": 4, "minute": 19, "second": 39}
